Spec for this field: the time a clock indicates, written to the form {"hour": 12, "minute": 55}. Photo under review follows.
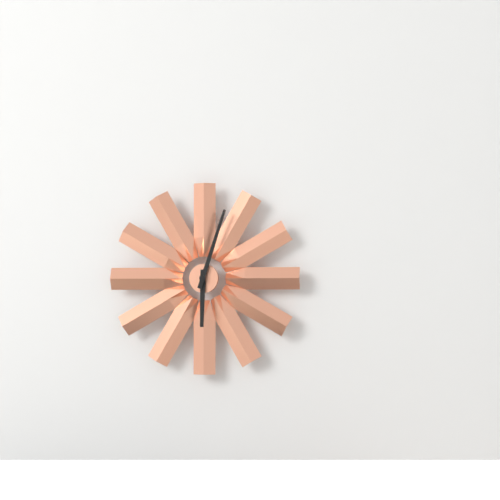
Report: {"hour": 6, "minute": 3}
